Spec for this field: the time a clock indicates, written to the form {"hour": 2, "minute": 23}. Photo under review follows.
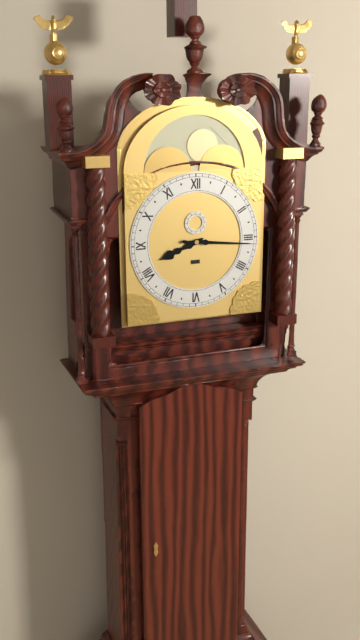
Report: {"hour": 8, "minute": 16}
